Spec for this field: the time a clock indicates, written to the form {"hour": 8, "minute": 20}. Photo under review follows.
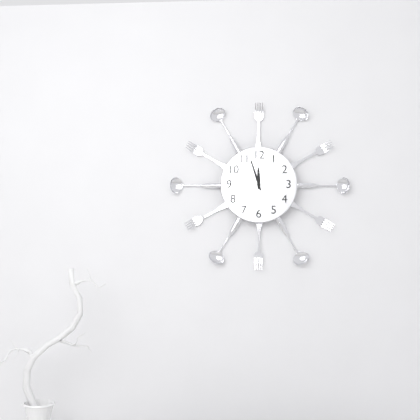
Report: {"hour": 11, "minute": 57}
